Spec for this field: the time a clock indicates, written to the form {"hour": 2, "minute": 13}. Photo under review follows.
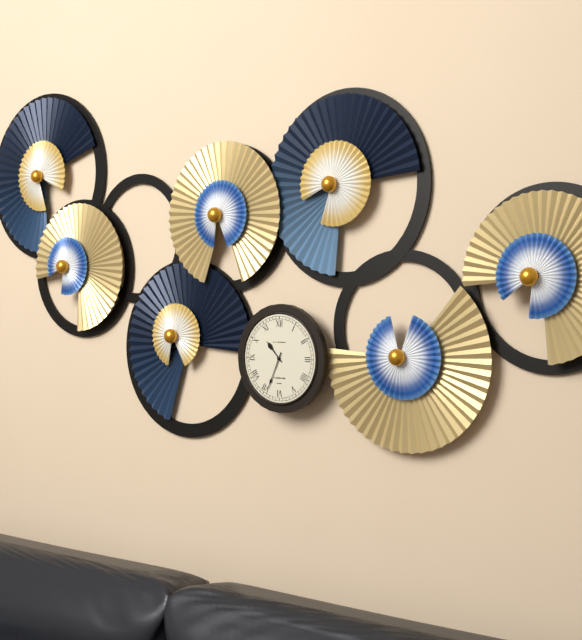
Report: {"hour": 10, "minute": 34}
